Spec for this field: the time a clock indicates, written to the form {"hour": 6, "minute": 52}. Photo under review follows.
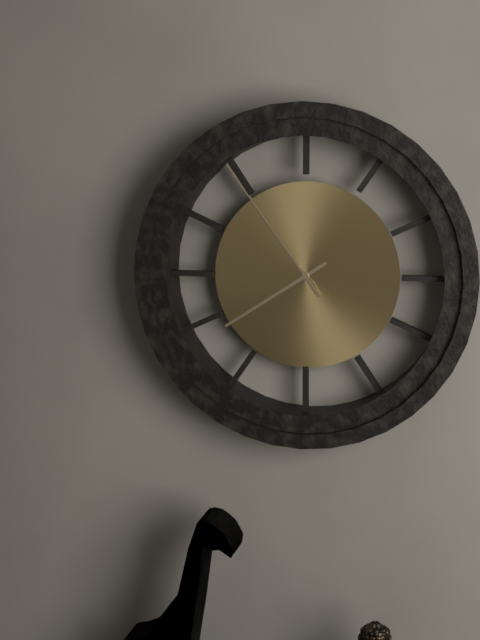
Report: {"hour": 7, "minute": 54}
